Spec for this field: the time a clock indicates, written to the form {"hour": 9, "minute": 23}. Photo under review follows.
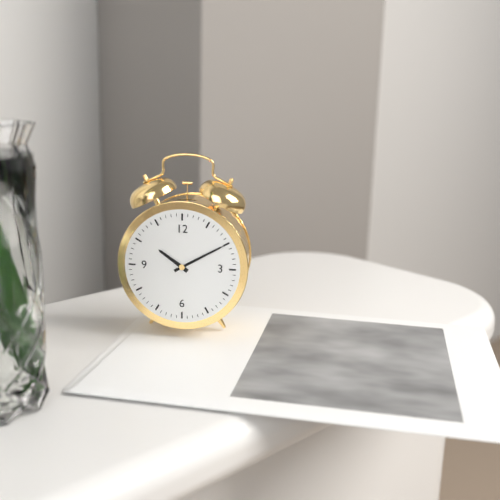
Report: {"hour": 10, "minute": 10}
